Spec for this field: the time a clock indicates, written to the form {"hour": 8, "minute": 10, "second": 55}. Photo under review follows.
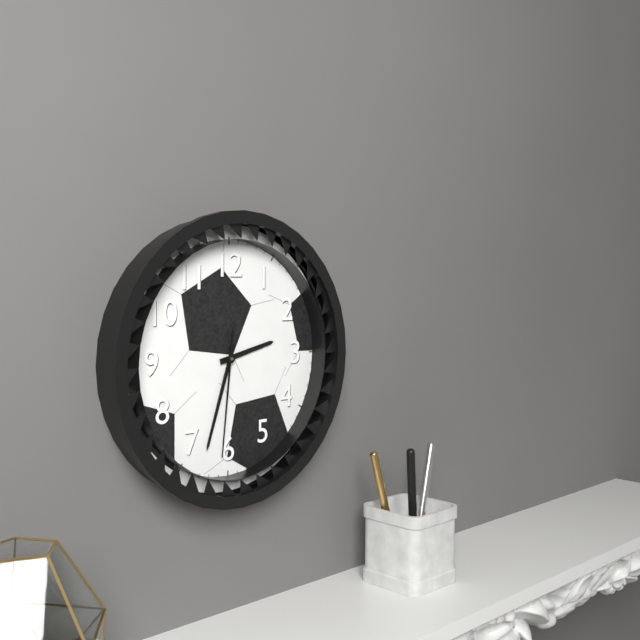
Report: {"hour": 2, "minute": 33, "second": 31}
